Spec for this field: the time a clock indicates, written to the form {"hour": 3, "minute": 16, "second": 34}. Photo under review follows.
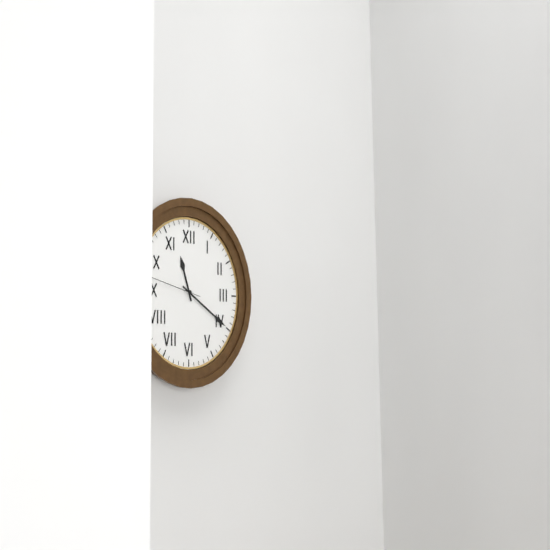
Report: {"hour": 11, "minute": 20, "second": 47}
